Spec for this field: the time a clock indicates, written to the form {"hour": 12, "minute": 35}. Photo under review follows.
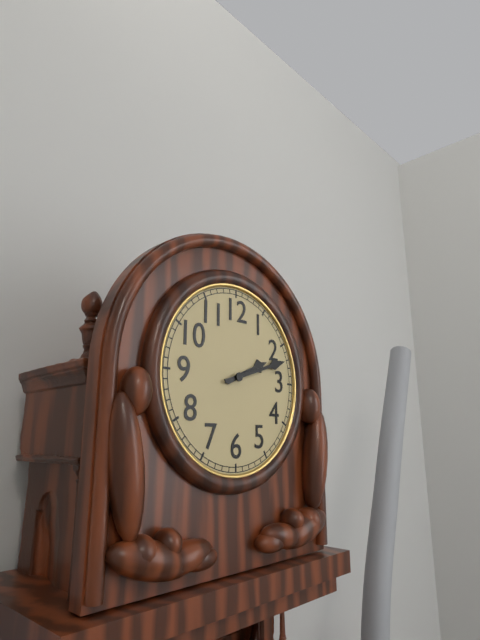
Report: {"hour": 2, "minute": 12}
